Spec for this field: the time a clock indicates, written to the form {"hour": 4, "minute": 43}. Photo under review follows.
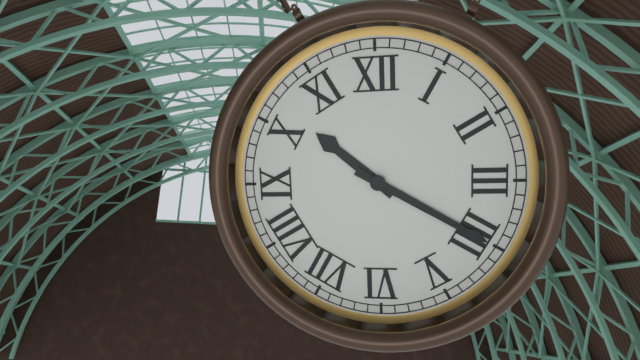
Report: {"hour": 10, "minute": 20}
